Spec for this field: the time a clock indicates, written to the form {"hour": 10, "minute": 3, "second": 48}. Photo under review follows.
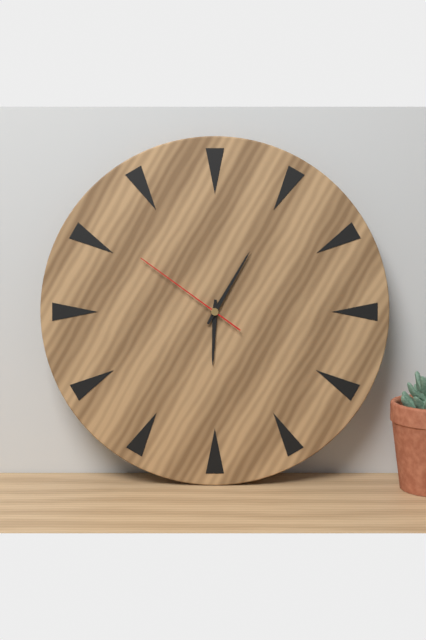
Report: {"hour": 6, "minute": 5, "second": 51}
